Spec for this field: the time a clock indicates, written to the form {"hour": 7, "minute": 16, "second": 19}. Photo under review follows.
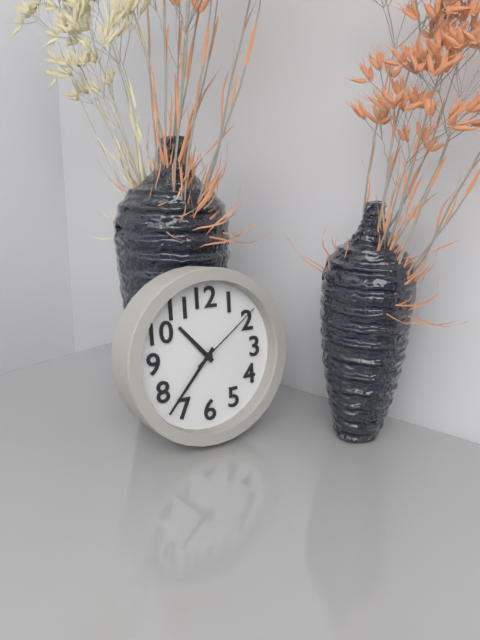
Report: {"hour": 10, "minute": 37, "second": 9}
